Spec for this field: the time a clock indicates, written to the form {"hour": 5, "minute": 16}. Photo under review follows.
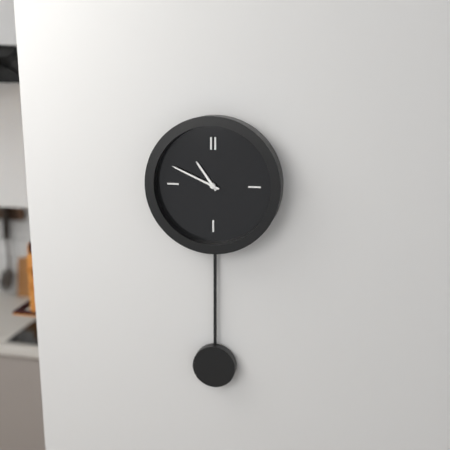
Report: {"hour": 10, "minute": 49}
